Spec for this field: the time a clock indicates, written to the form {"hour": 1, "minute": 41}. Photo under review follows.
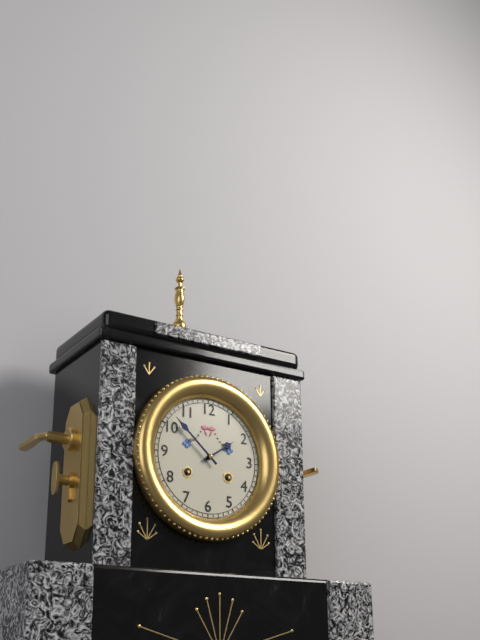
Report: {"hour": 1, "minute": 52}
